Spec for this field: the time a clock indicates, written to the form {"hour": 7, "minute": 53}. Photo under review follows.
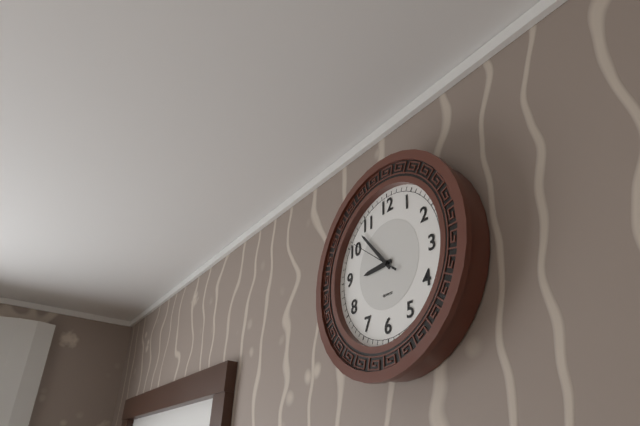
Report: {"hour": 8, "minute": 53}
